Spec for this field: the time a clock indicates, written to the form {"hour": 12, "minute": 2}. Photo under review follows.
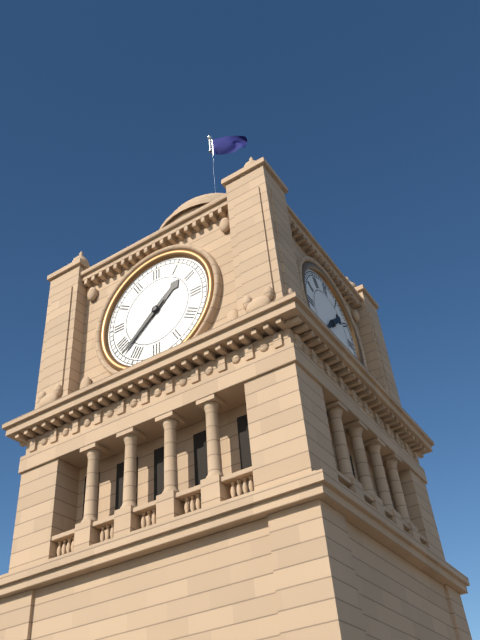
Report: {"hour": 1, "minute": 38}
